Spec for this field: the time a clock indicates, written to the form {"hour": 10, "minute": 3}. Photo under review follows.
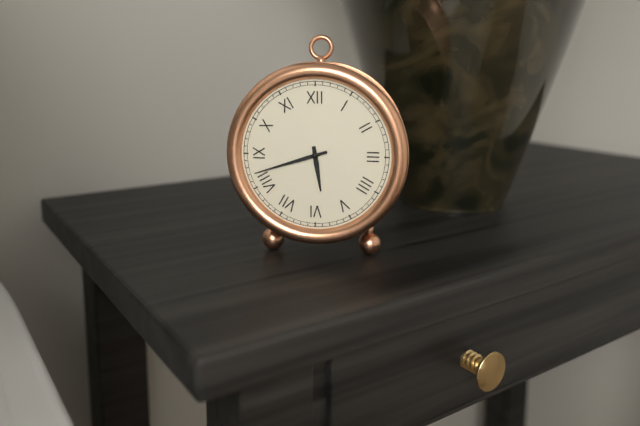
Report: {"hour": 5, "minute": 42}
